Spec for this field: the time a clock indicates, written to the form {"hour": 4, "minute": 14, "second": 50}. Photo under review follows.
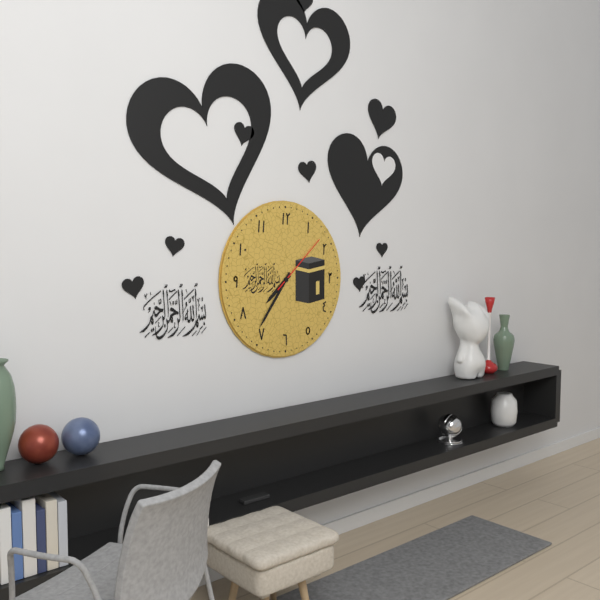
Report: {"hour": 7, "minute": 36, "second": 8}
